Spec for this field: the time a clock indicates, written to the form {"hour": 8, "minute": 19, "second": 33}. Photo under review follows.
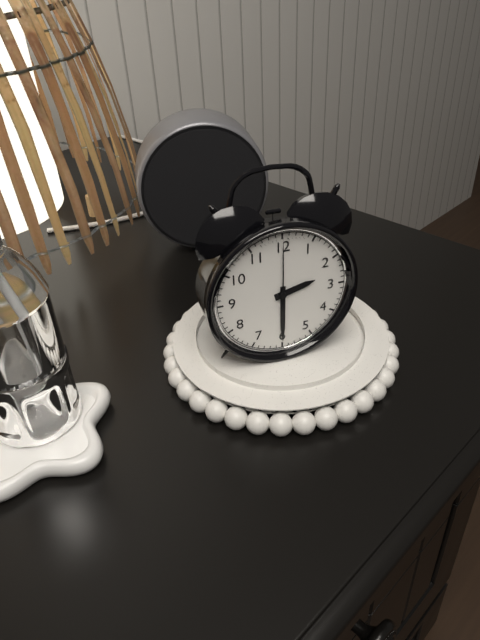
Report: {"hour": 2, "minute": 30, "second": 0}
